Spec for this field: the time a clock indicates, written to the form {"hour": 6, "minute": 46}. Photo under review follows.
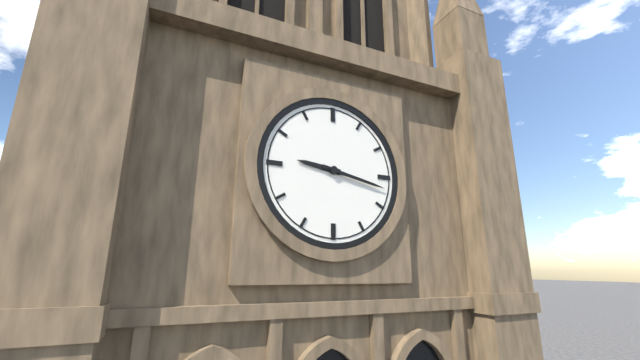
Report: {"hour": 9, "minute": 17}
